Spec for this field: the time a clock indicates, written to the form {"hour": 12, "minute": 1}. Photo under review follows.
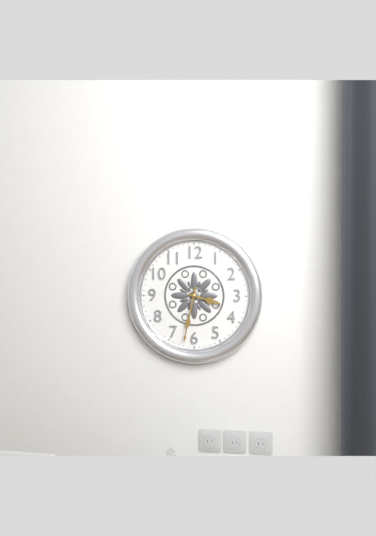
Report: {"hour": 3, "minute": 32}
